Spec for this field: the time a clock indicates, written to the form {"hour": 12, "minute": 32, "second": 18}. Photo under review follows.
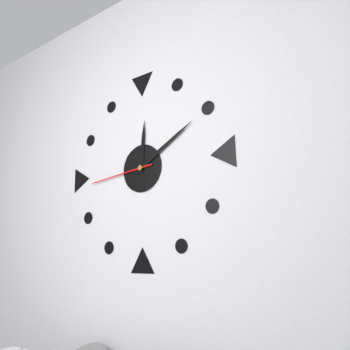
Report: {"hour": 12, "minute": 10, "second": 44}
